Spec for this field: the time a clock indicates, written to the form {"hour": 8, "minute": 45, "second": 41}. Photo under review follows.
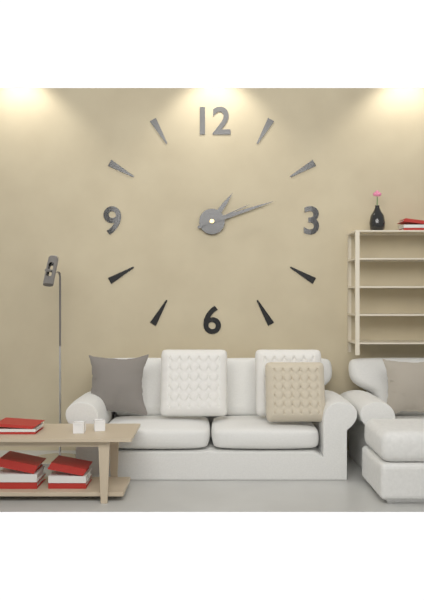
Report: {"hour": 1, "minute": 12, "second": 11}
